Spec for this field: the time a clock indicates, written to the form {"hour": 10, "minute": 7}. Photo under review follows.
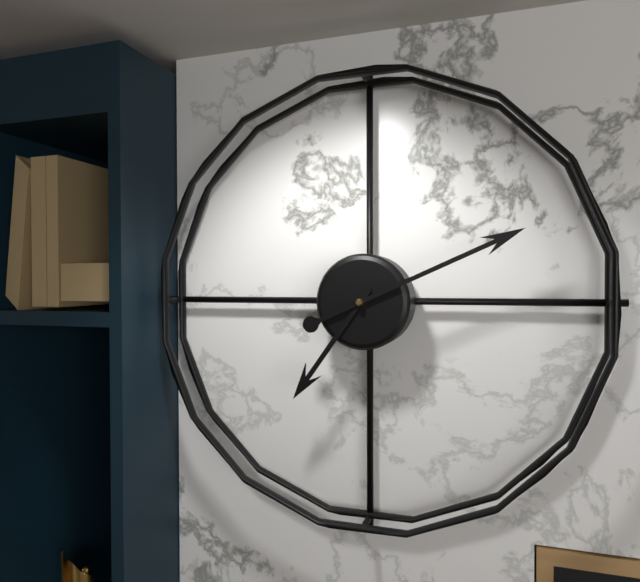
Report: {"hour": 7, "minute": 11}
